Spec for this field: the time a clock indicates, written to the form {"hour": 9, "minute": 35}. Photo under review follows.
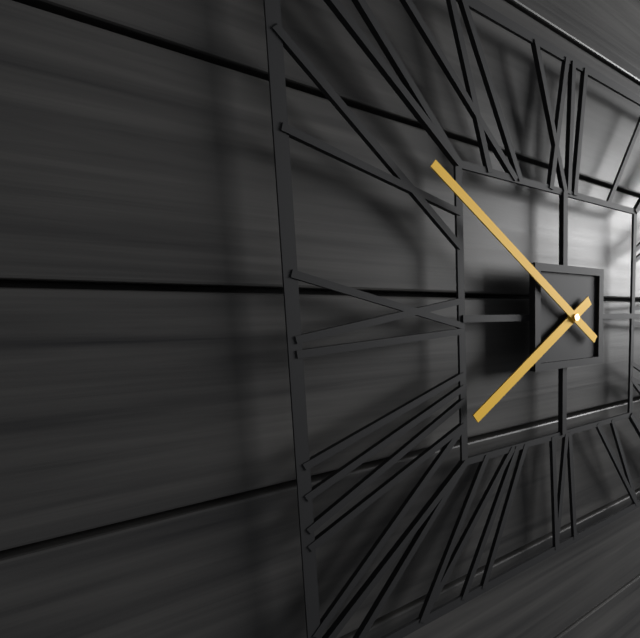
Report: {"hour": 7, "minute": 51}
